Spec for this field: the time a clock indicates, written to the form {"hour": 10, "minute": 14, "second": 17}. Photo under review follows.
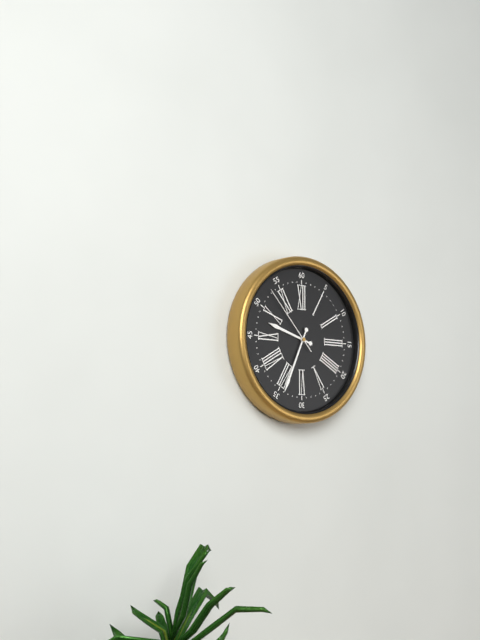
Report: {"hour": 9, "minute": 34, "second": 53}
